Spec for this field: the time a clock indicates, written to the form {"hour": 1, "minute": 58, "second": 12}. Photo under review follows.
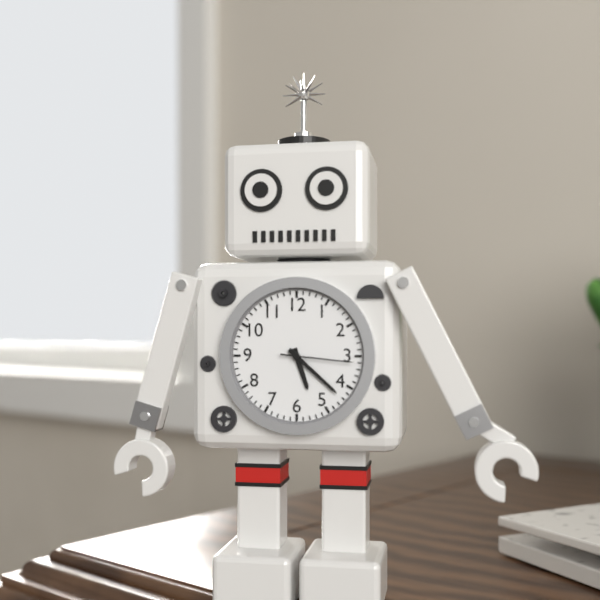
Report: {"hour": 5, "minute": 22, "second": 16}
